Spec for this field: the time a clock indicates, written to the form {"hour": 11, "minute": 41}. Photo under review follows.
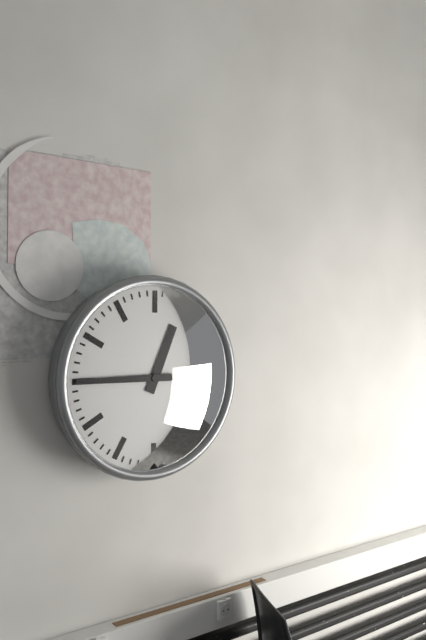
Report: {"hour": 12, "minute": 45}
